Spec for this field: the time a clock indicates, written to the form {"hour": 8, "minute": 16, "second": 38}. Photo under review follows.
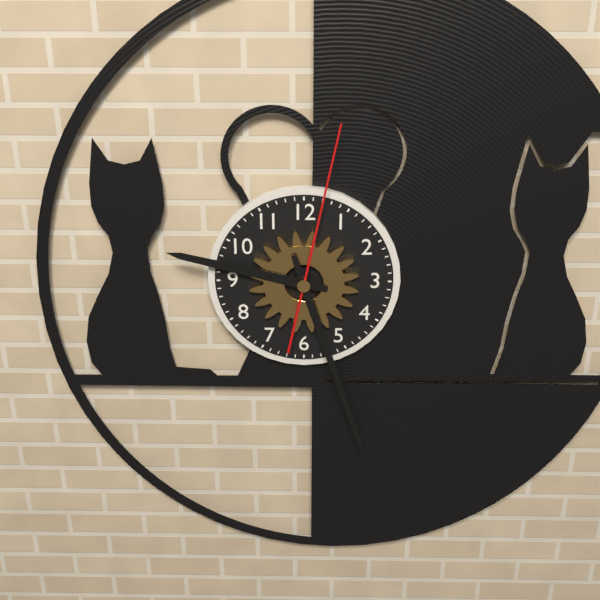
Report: {"hour": 9, "minute": 27, "second": 2}
